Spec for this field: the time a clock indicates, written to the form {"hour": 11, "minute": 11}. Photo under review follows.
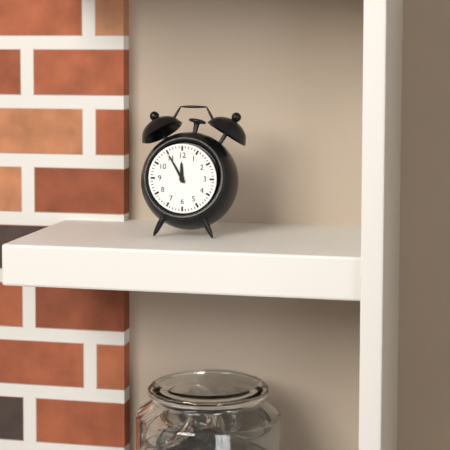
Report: {"hour": 11, "minute": 55}
